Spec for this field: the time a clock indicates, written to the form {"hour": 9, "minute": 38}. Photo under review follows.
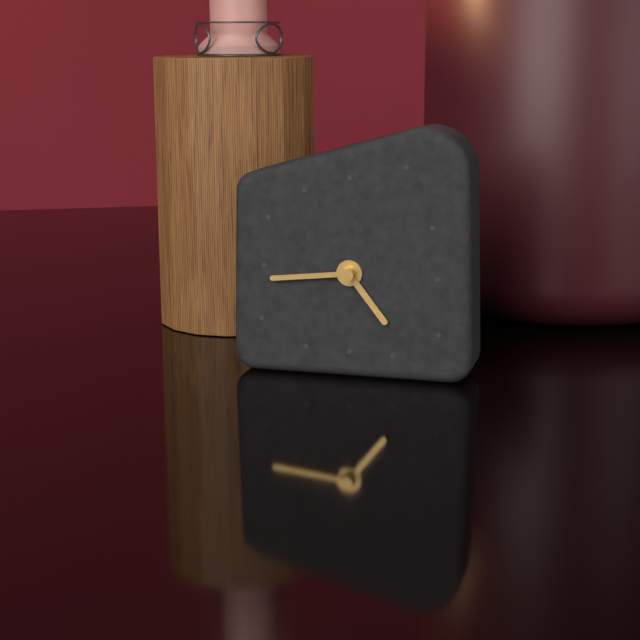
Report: {"hour": 4, "minute": 44}
